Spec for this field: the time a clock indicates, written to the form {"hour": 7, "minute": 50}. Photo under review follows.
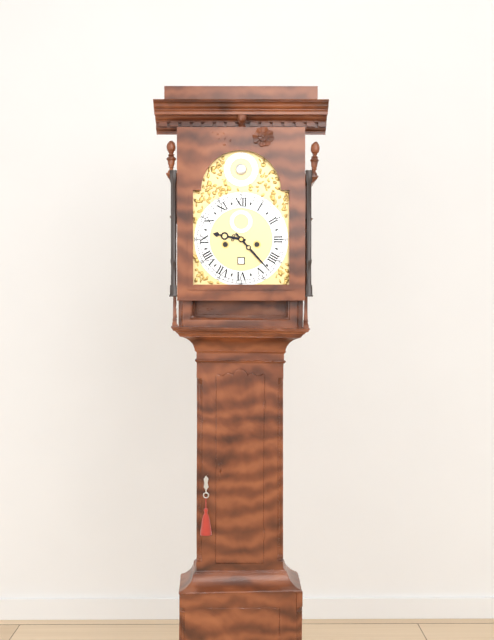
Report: {"hour": 9, "minute": 23}
